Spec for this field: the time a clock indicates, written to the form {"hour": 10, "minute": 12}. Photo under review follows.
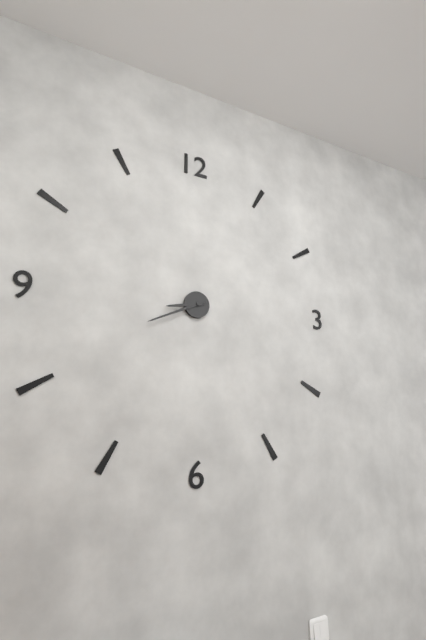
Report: {"hour": 8, "minute": 41}
